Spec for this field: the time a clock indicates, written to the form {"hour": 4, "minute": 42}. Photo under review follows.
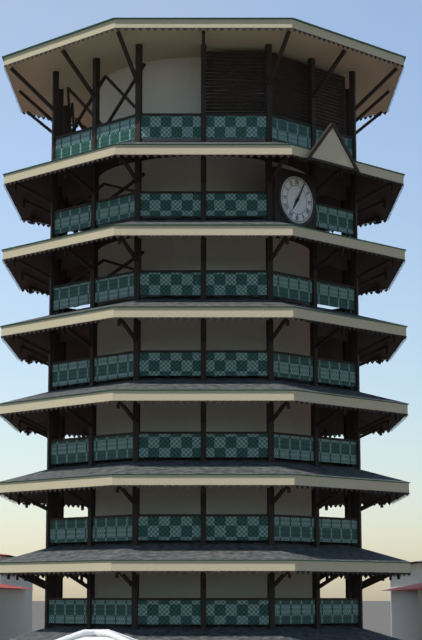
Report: {"hour": 7, "minute": 5}
